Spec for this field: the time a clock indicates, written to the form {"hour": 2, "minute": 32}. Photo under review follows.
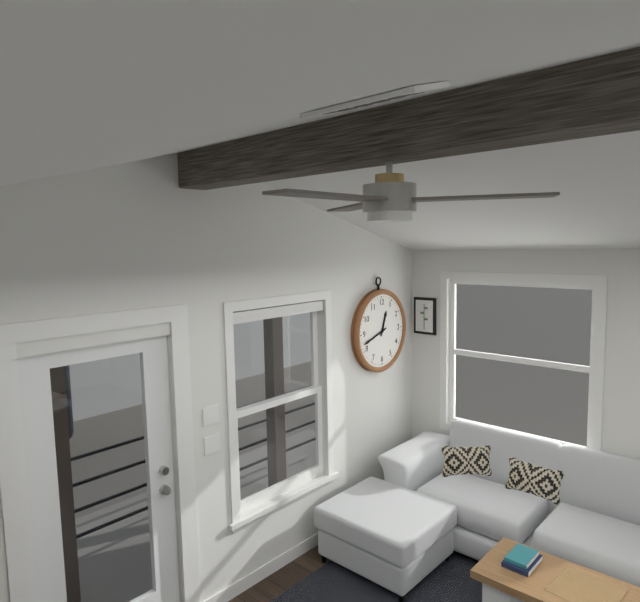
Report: {"hour": 12, "minute": 42}
